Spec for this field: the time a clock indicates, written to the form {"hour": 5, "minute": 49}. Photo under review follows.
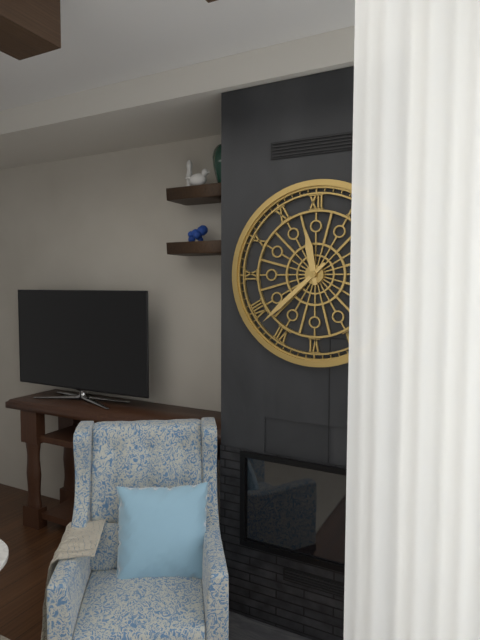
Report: {"hour": 11, "minute": 38}
